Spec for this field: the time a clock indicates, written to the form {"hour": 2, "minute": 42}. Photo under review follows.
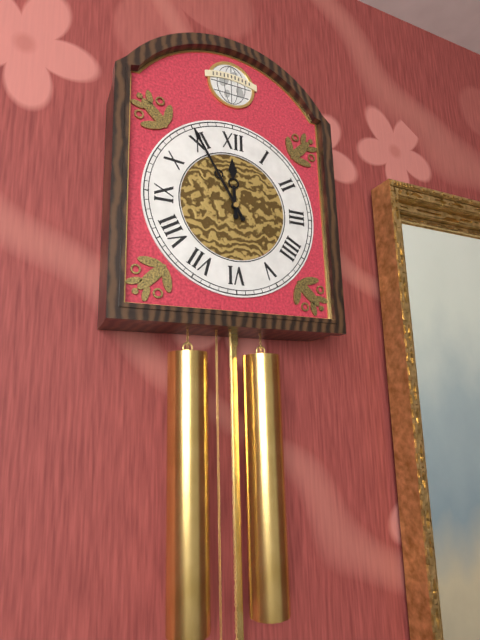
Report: {"hour": 11, "minute": 55}
